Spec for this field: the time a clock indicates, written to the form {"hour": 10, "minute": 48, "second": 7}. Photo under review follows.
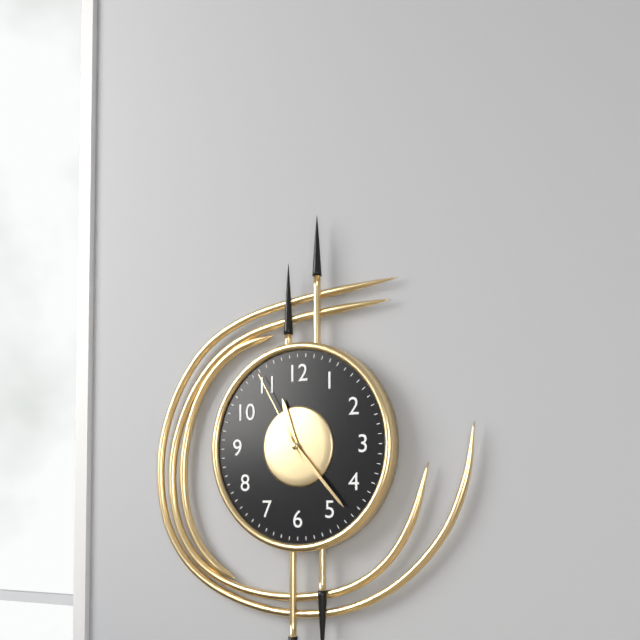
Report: {"hour": 11, "minute": 23, "second": 55}
